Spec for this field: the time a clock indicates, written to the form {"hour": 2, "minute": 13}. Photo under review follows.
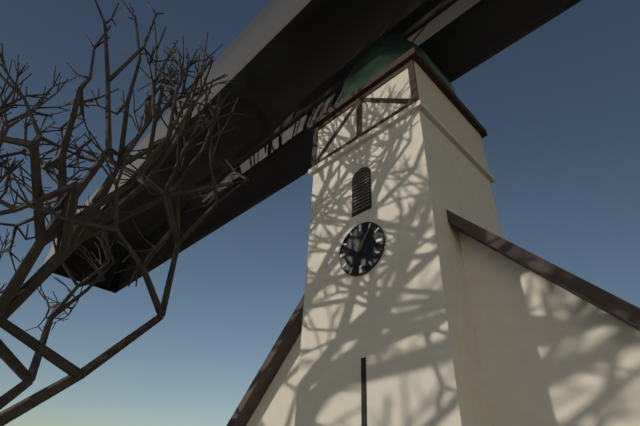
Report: {"hour": 1, "minute": 6}
